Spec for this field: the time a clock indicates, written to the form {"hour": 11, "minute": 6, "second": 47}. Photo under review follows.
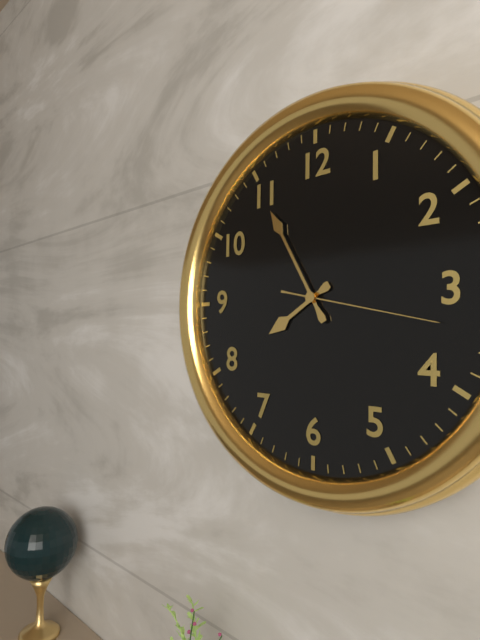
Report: {"hour": 7, "minute": 55, "second": 17}
